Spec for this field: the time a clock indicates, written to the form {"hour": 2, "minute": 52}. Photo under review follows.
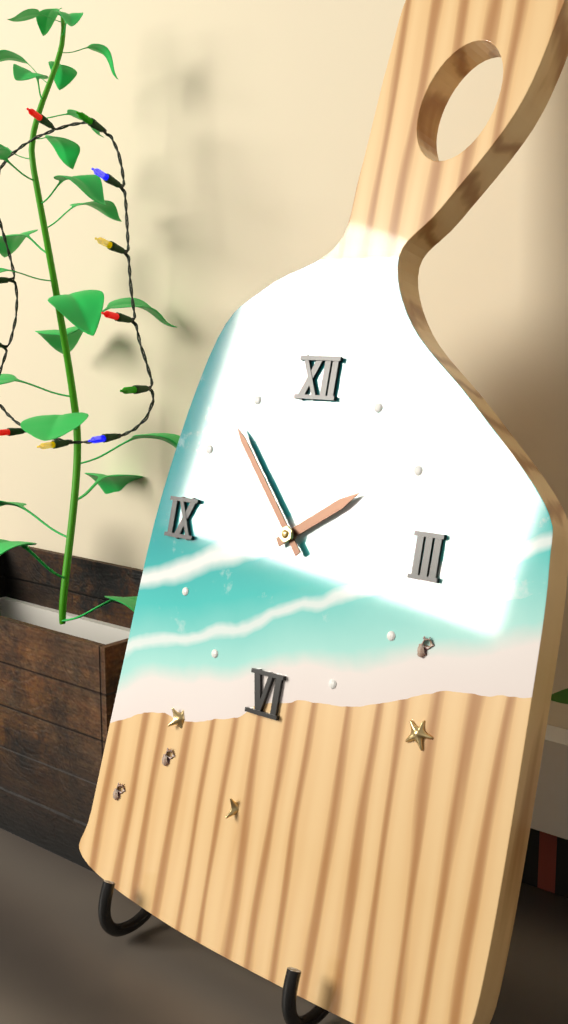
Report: {"hour": 1, "minute": 53}
